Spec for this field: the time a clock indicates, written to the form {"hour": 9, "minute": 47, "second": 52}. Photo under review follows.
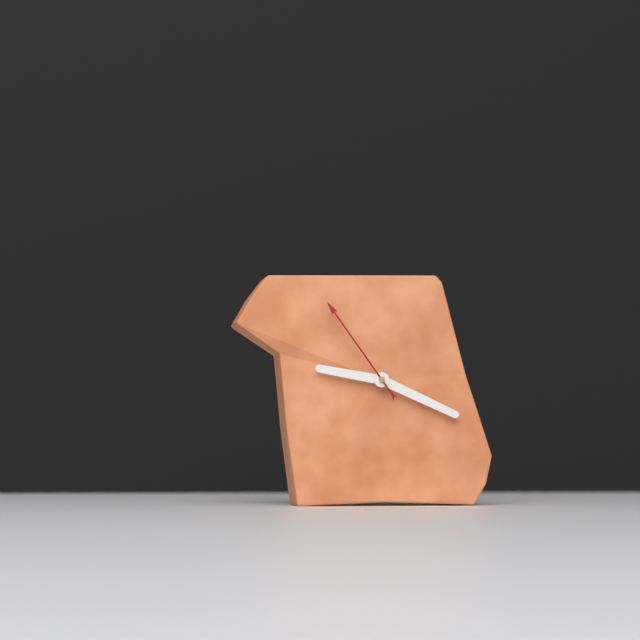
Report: {"hour": 9, "minute": 19, "second": 54}
